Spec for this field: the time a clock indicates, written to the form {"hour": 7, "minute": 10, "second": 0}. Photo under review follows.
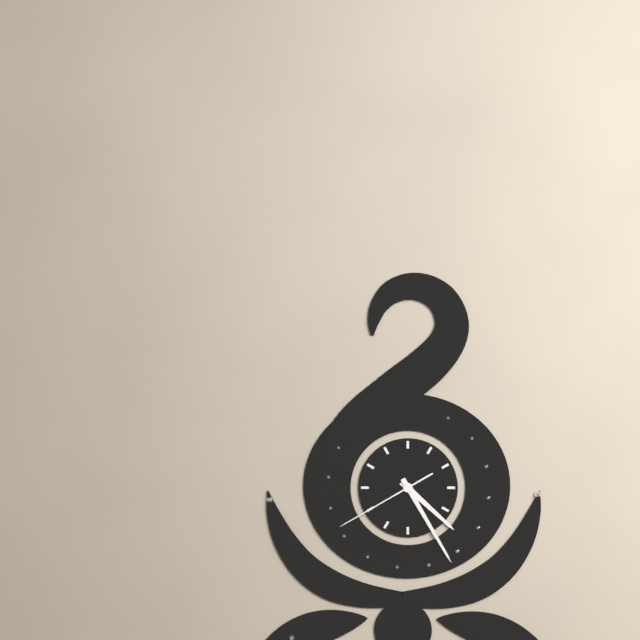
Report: {"hour": 4, "minute": 25, "second": 40}
